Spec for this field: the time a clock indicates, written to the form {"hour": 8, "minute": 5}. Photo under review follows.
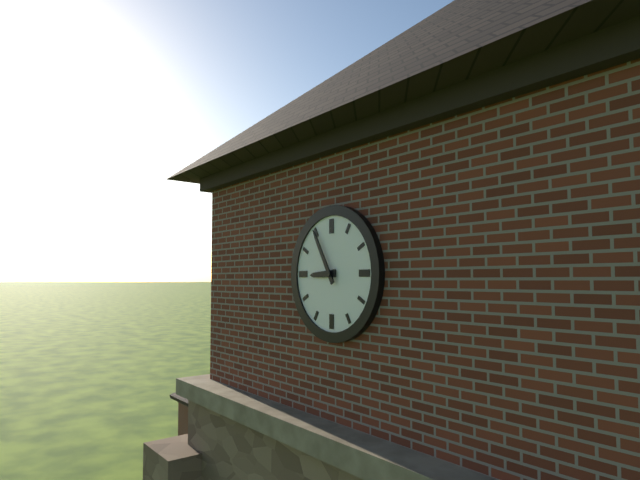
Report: {"hour": 8, "minute": 55}
